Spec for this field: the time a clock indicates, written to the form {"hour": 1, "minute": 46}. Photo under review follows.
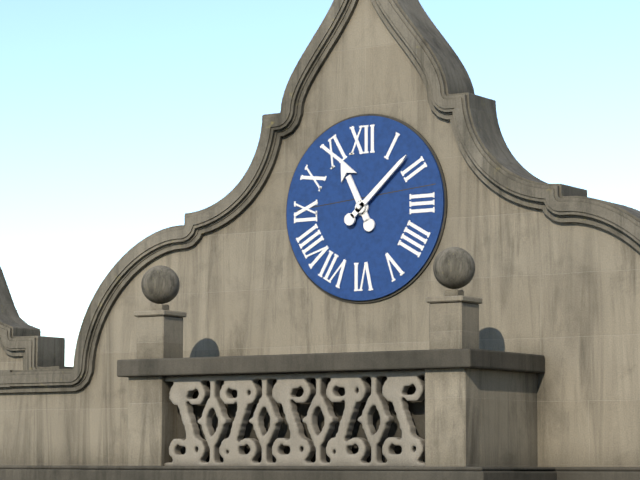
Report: {"hour": 11, "minute": 8}
